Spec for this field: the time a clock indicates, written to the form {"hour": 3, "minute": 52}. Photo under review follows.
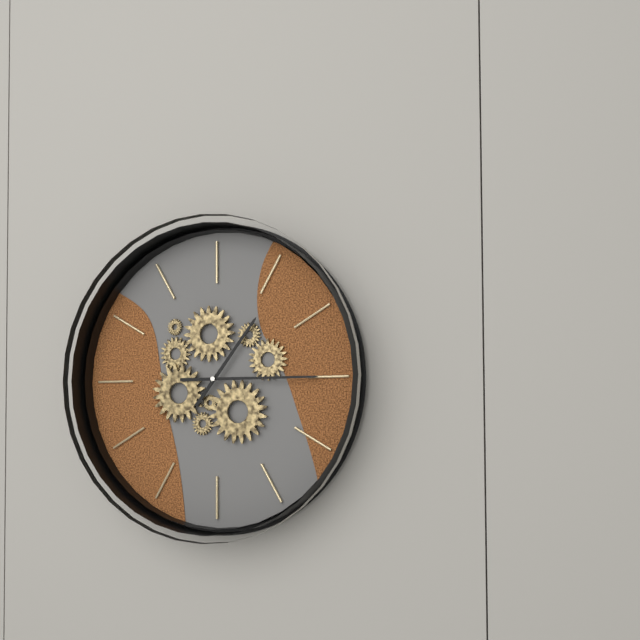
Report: {"hour": 1, "minute": 15}
